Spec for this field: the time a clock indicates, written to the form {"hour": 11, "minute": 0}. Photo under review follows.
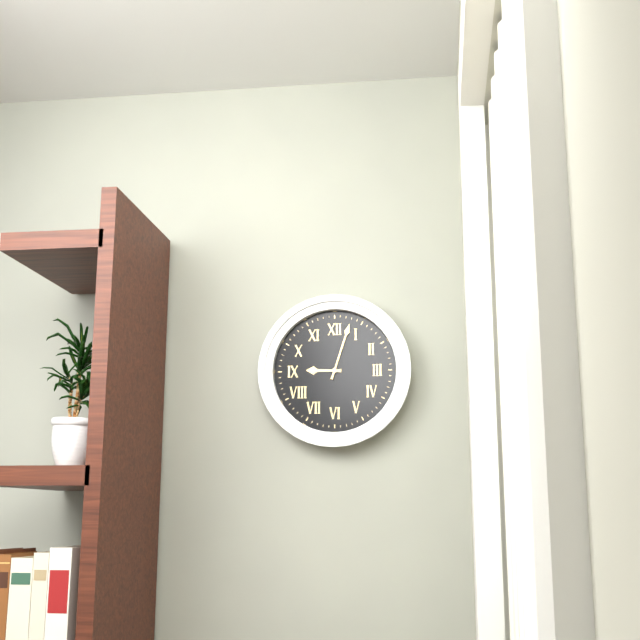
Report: {"hour": 9, "minute": 3}
